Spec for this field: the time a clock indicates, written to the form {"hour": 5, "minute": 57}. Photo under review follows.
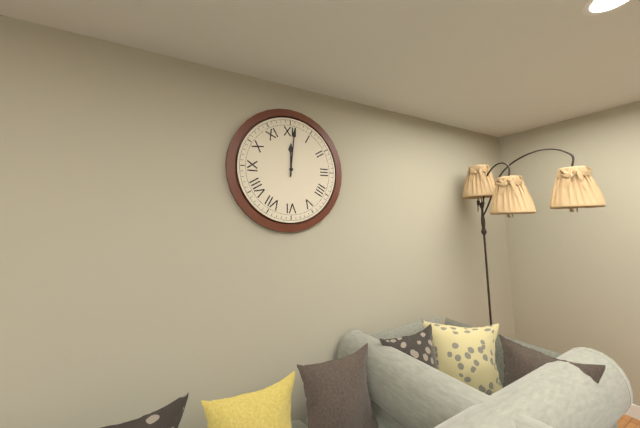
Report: {"hour": 12, "minute": 1}
